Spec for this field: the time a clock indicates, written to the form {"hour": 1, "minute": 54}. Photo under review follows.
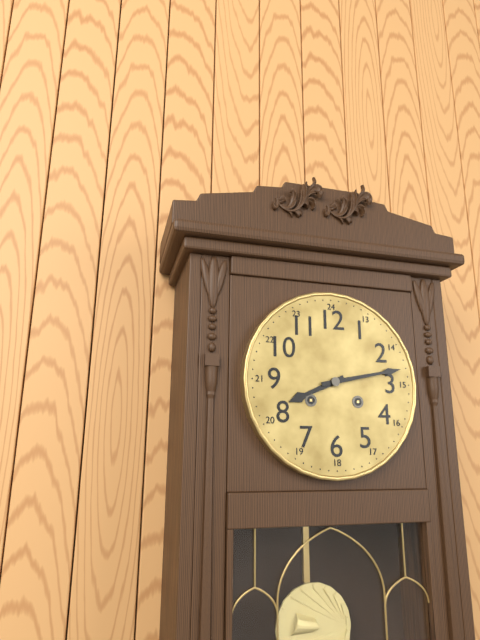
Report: {"hour": 8, "minute": 13}
